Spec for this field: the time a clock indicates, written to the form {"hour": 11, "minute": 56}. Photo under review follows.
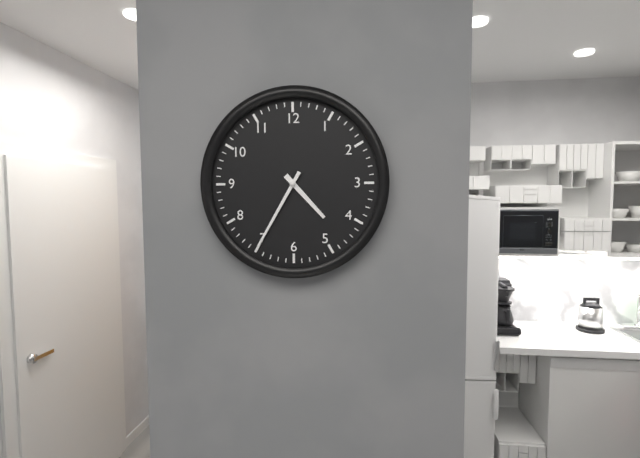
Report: {"hour": 4, "minute": 35}
